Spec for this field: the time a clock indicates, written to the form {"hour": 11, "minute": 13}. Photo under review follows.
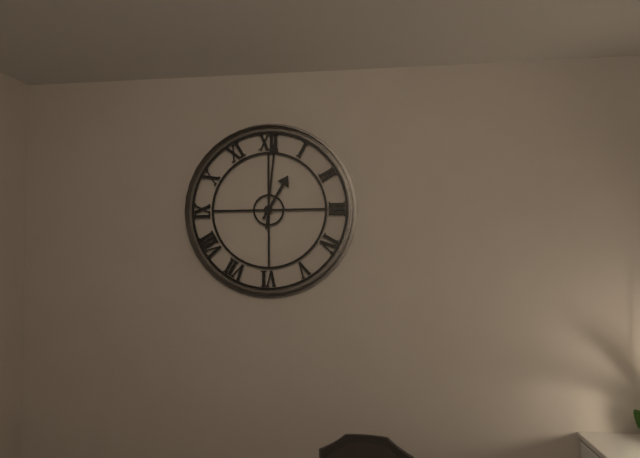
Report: {"hour": 1, "minute": 1}
